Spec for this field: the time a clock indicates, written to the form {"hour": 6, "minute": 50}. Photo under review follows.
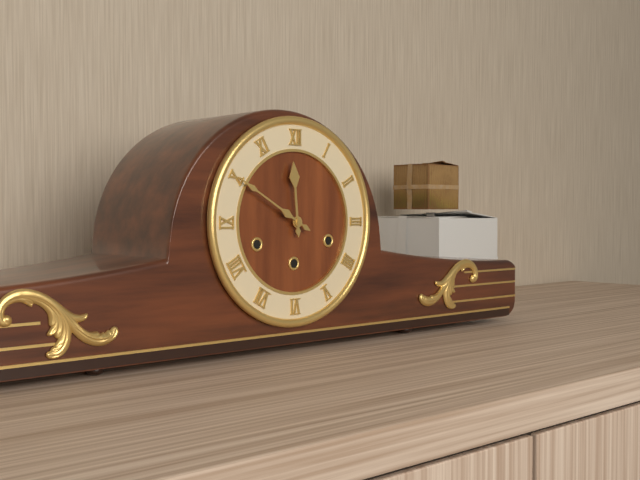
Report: {"hour": 11, "minute": 50}
